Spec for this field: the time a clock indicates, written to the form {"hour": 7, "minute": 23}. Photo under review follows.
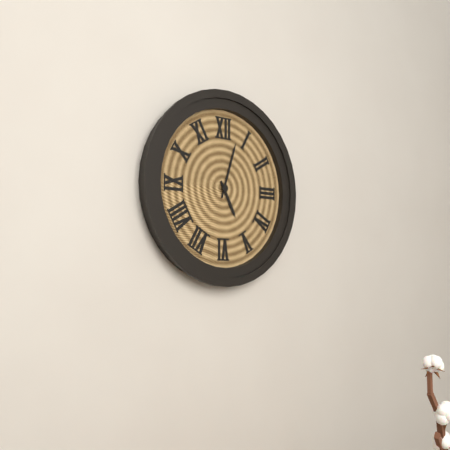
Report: {"hour": 5, "minute": 3}
